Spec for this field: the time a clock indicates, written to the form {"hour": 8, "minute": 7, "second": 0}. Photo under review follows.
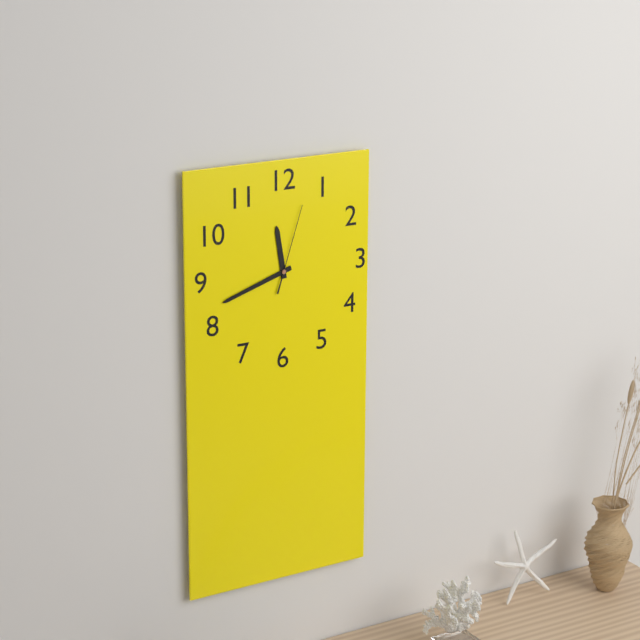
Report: {"hour": 11, "minute": 42, "second": 3}
